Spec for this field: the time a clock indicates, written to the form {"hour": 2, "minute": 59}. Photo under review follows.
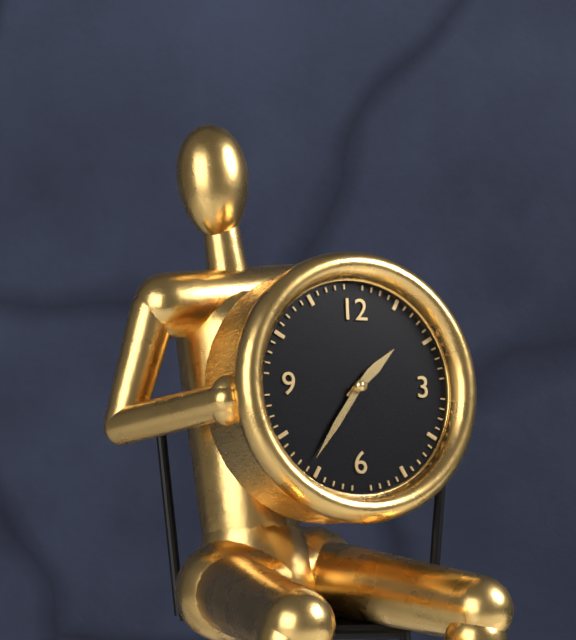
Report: {"hour": 1, "minute": 36}
